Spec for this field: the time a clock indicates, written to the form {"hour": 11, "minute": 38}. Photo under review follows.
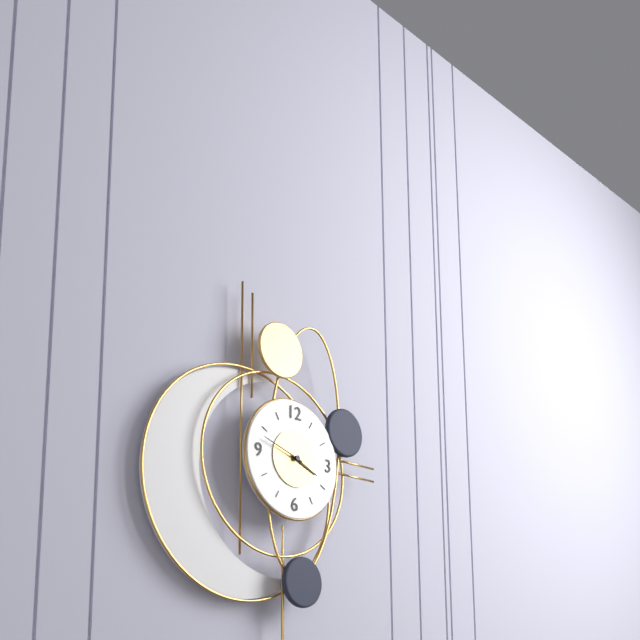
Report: {"hour": 3, "minute": 48}
